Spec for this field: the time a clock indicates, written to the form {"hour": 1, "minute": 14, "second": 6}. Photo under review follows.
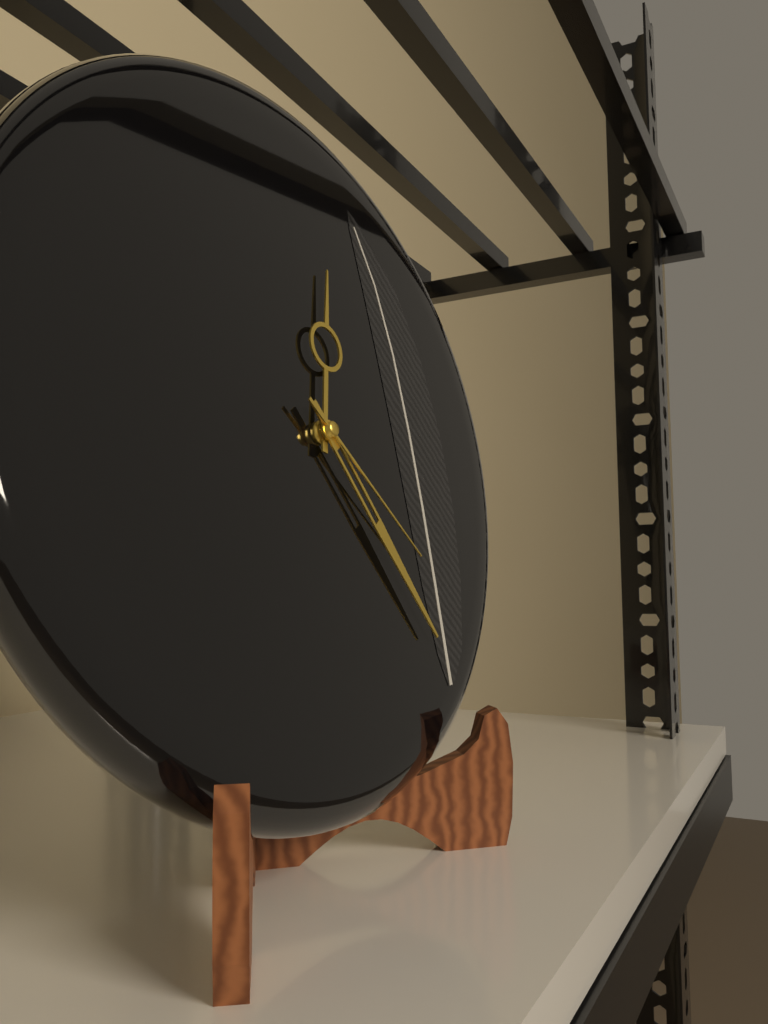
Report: {"hour": 12, "minute": 24, "second": 22}
